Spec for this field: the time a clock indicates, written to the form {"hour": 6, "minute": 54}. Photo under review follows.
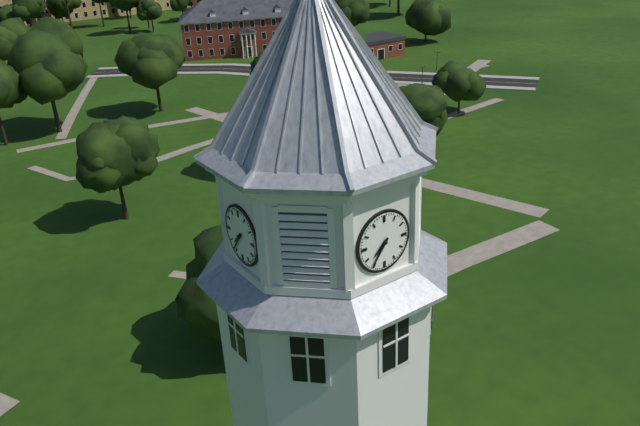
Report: {"hour": 7, "minute": 36}
